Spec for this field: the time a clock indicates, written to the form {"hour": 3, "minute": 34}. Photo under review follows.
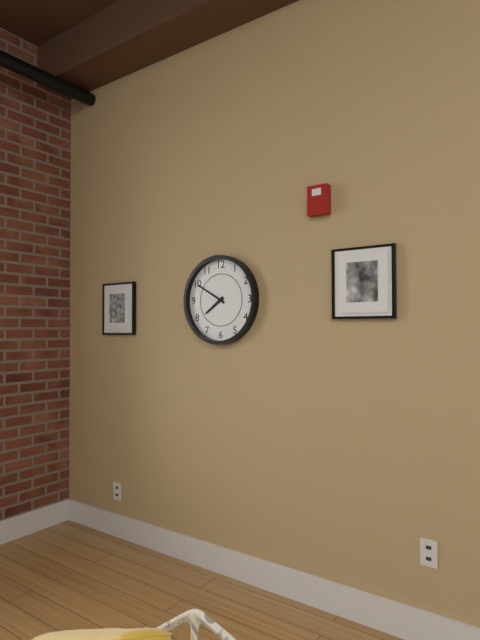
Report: {"hour": 7, "minute": 50}
